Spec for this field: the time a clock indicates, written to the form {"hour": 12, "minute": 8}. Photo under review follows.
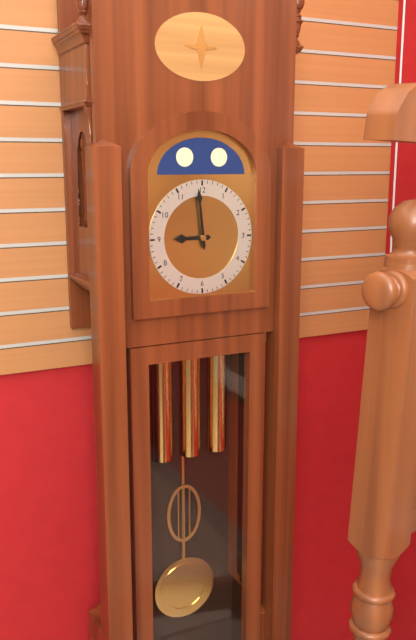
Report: {"hour": 8, "minute": 59}
